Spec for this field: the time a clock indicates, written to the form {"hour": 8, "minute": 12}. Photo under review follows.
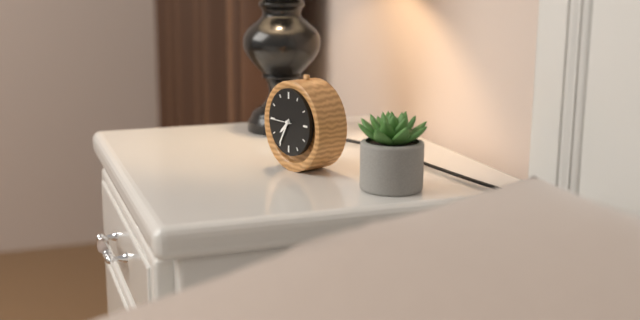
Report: {"hour": 7, "minute": 35}
